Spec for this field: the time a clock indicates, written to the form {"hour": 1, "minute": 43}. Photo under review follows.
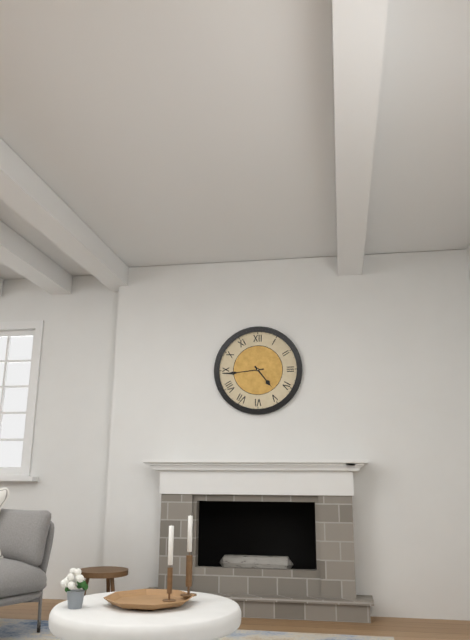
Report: {"hour": 4, "minute": 44}
